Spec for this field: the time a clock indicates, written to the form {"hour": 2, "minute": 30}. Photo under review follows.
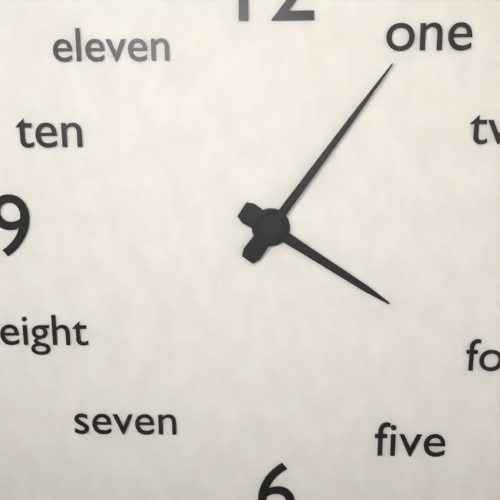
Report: {"hour": 4, "minute": 6}
